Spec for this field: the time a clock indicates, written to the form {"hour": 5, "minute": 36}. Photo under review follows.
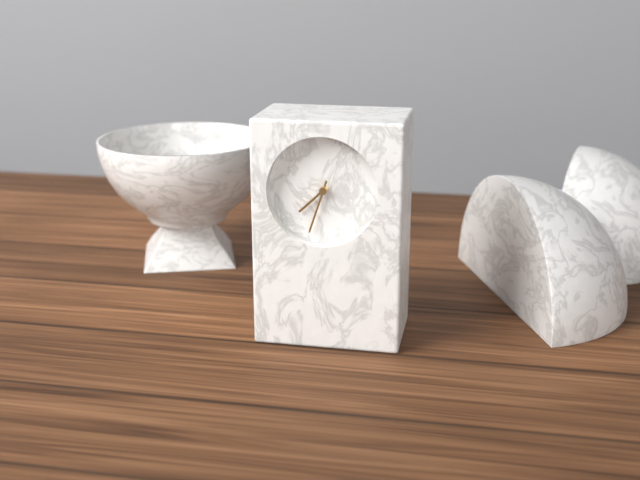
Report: {"hour": 7, "minute": 33}
